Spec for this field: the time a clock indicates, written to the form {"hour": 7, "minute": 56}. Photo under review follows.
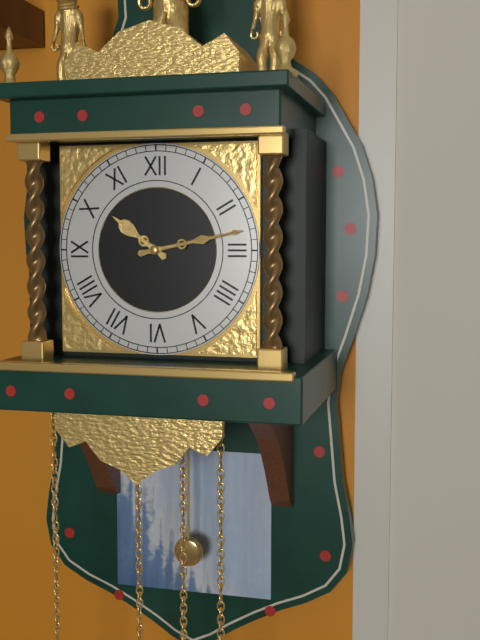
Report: {"hour": 10, "minute": 13}
